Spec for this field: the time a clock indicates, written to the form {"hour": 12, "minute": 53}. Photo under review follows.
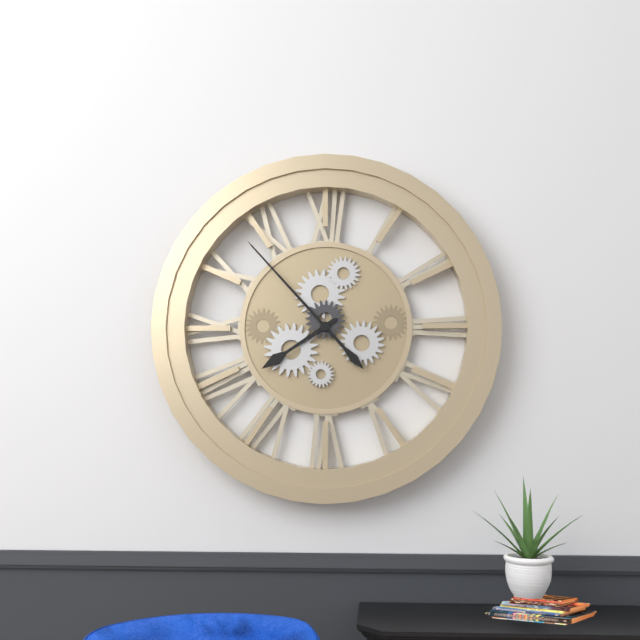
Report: {"hour": 7, "minute": 53}
